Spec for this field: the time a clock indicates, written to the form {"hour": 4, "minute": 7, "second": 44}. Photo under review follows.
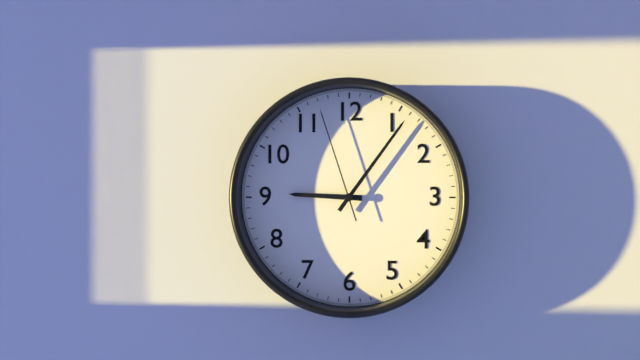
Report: {"hour": 9, "minute": 6, "second": 57}
